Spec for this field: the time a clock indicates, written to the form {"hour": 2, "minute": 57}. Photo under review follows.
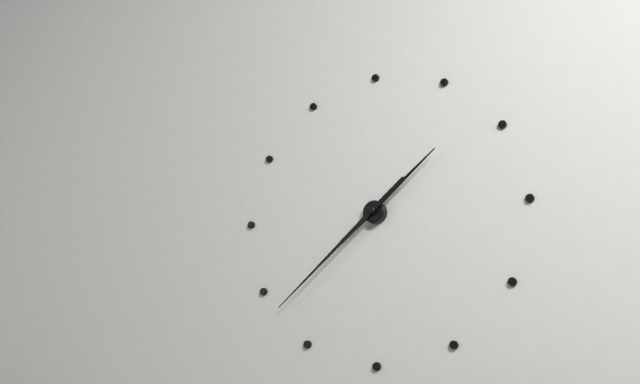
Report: {"hour": 1, "minute": 38}
